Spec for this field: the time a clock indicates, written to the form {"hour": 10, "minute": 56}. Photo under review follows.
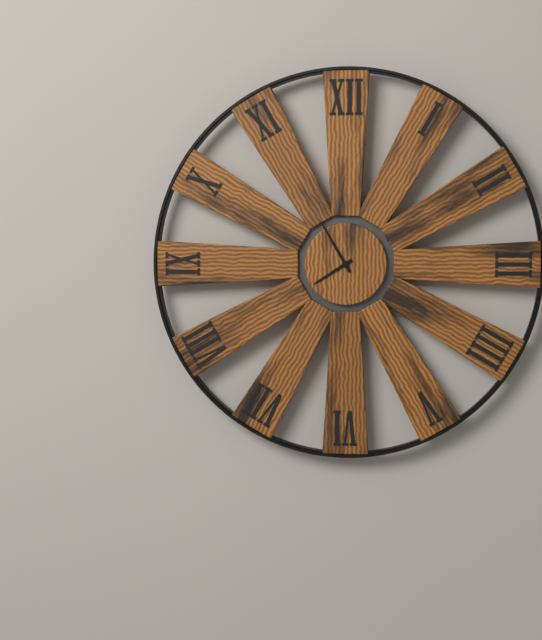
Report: {"hour": 7, "minute": 55}
